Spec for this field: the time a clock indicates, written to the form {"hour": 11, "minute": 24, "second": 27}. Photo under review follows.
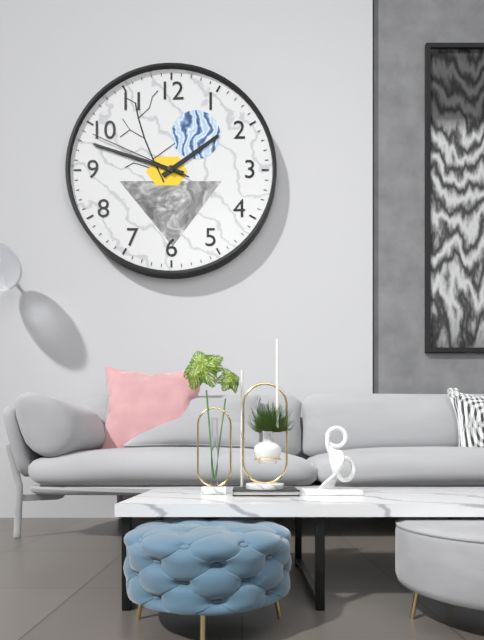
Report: {"hour": 1, "minute": 48, "second": 49}
